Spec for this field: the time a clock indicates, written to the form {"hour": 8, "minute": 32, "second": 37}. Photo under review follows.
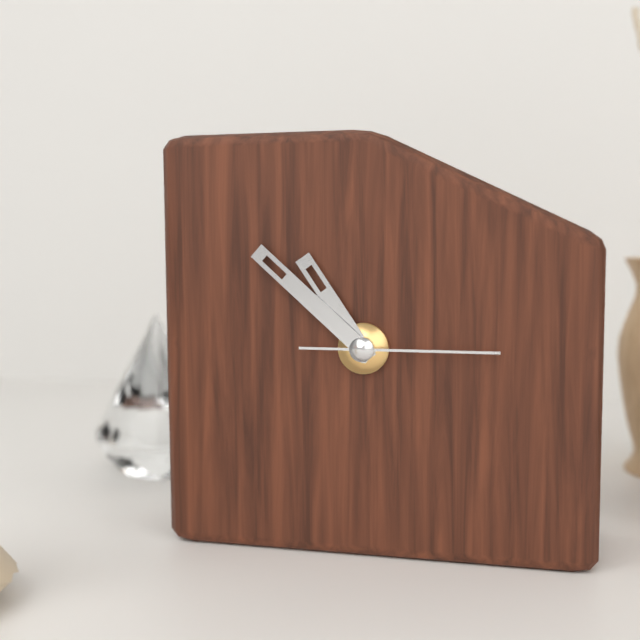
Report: {"hour": 10, "minute": 52, "second": 15}
